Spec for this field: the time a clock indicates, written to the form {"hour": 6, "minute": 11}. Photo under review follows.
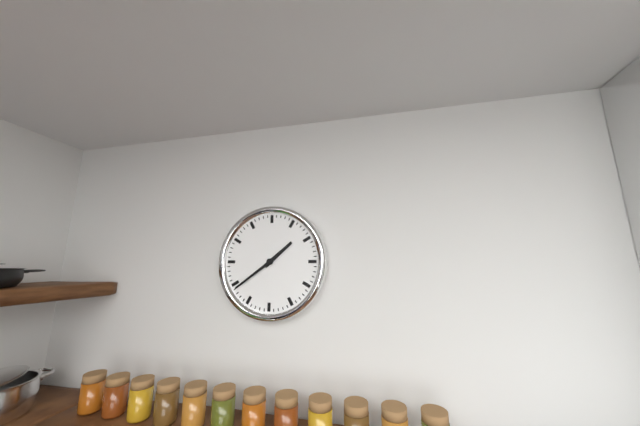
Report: {"hour": 1, "minute": 39}
